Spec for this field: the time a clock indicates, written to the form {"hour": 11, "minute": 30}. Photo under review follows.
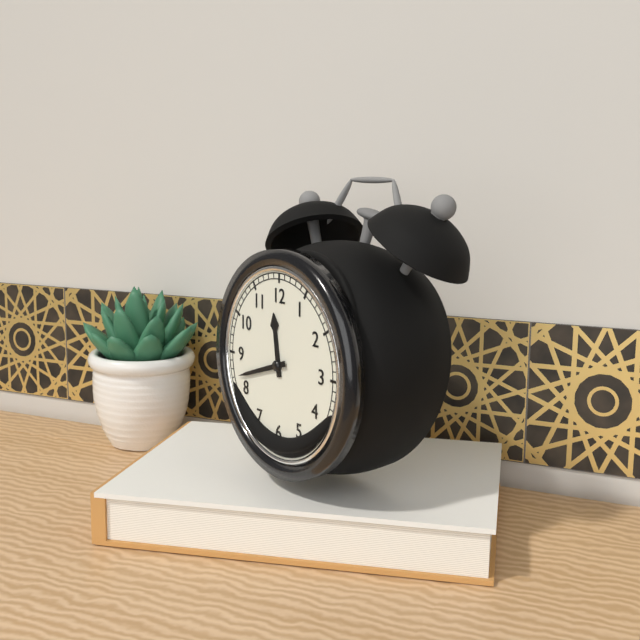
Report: {"hour": 11, "minute": 42}
